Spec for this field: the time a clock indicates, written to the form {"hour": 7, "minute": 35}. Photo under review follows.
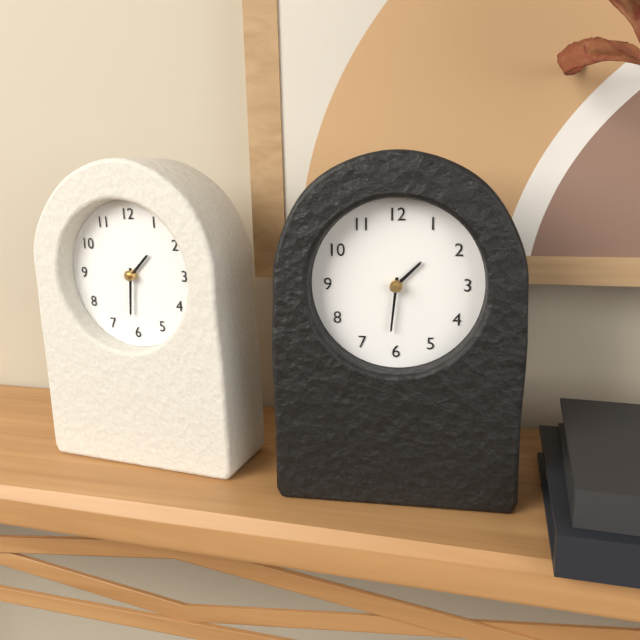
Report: {"hour": 1, "minute": 31}
